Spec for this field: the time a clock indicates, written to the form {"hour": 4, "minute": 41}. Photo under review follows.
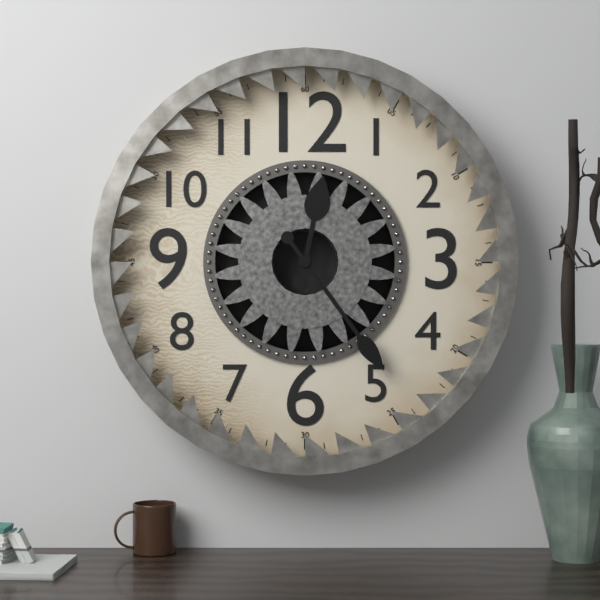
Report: {"hour": 12, "minute": 24}
